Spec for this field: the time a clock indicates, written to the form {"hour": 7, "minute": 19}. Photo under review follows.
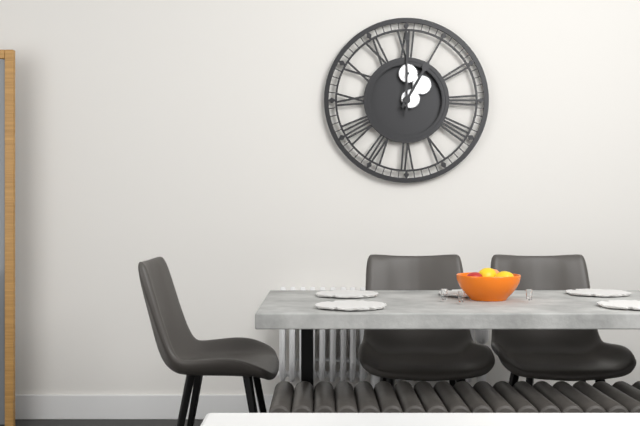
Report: {"hour": 1, "minute": 0}
